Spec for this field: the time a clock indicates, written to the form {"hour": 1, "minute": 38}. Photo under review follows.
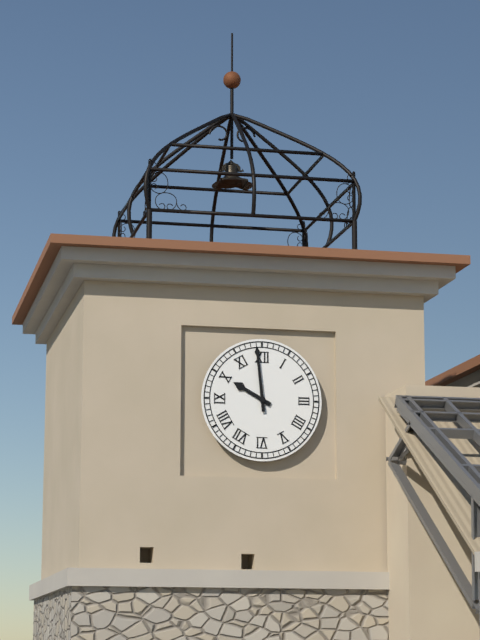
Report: {"hour": 9, "minute": 59}
